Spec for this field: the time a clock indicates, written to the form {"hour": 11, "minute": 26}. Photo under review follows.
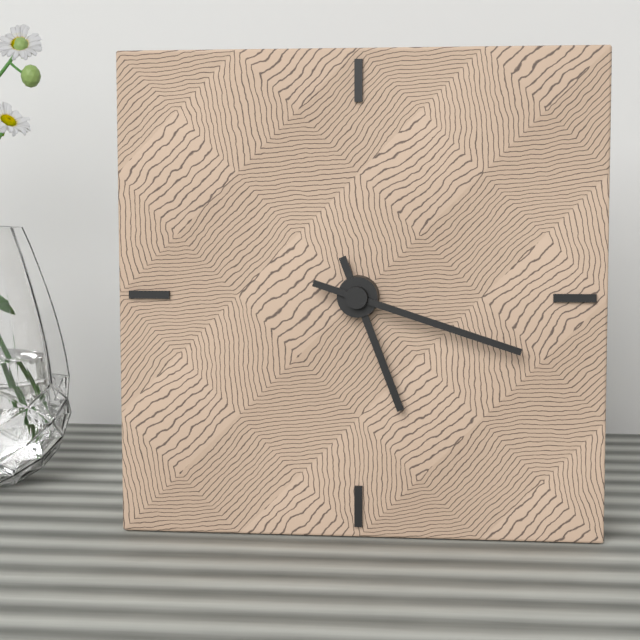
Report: {"hour": 5, "minute": 18}
